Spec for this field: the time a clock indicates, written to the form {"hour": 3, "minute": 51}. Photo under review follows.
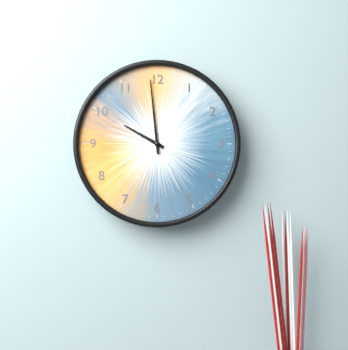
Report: {"hour": 9, "minute": 59}
